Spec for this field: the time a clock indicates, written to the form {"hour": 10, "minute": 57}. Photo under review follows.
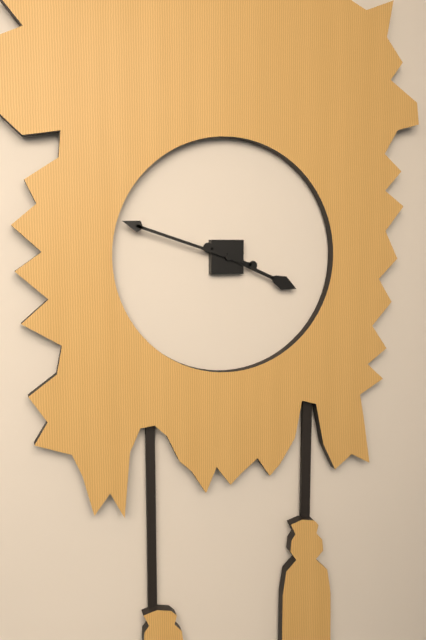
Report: {"hour": 3, "minute": 48}
